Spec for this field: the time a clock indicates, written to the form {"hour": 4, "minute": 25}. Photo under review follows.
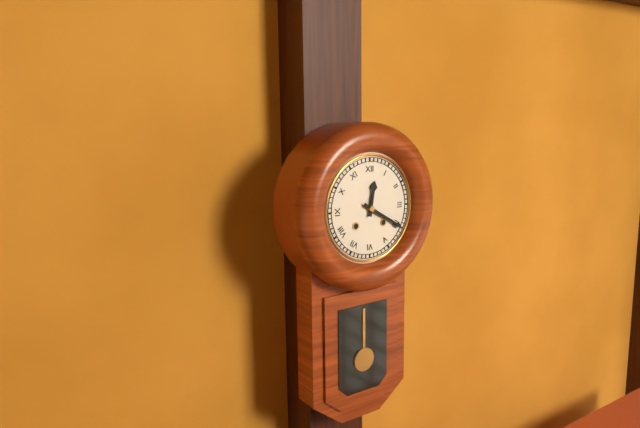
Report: {"hour": 12, "minute": 20}
